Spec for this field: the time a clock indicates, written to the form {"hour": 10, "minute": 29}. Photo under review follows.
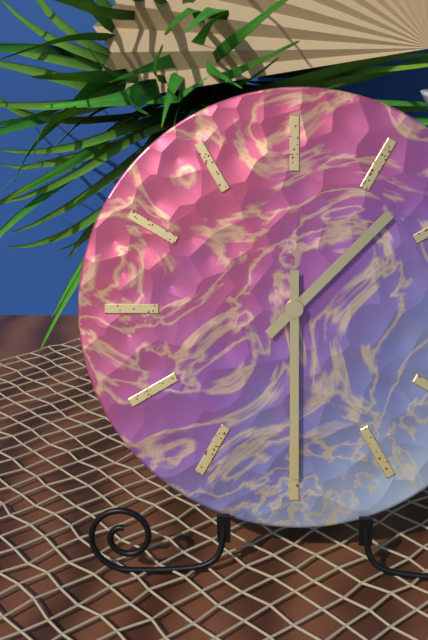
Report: {"hour": 1, "minute": 30}
